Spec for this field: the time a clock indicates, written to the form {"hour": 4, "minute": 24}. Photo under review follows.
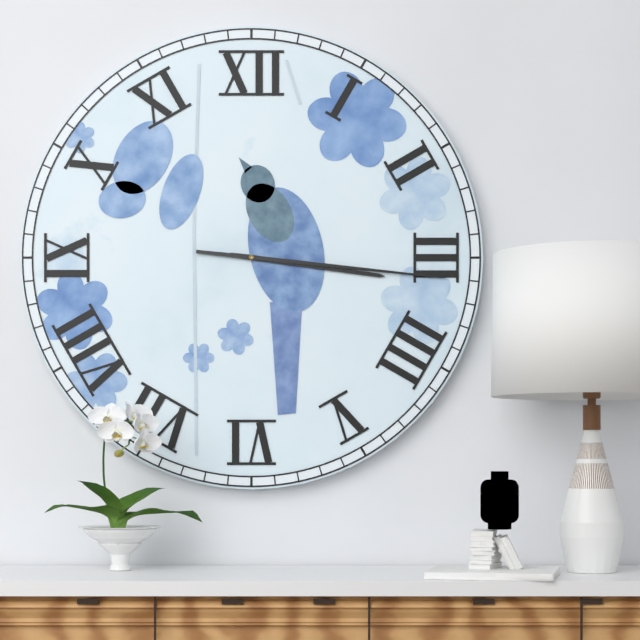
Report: {"hour": 3, "minute": 16}
